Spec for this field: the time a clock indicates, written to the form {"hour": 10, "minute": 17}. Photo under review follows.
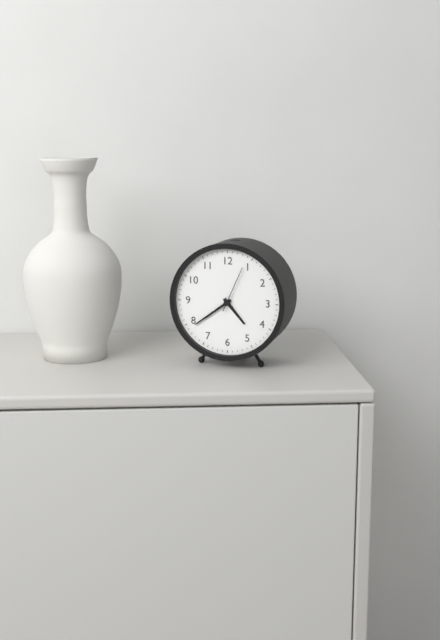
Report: {"hour": 4, "minute": 39}
